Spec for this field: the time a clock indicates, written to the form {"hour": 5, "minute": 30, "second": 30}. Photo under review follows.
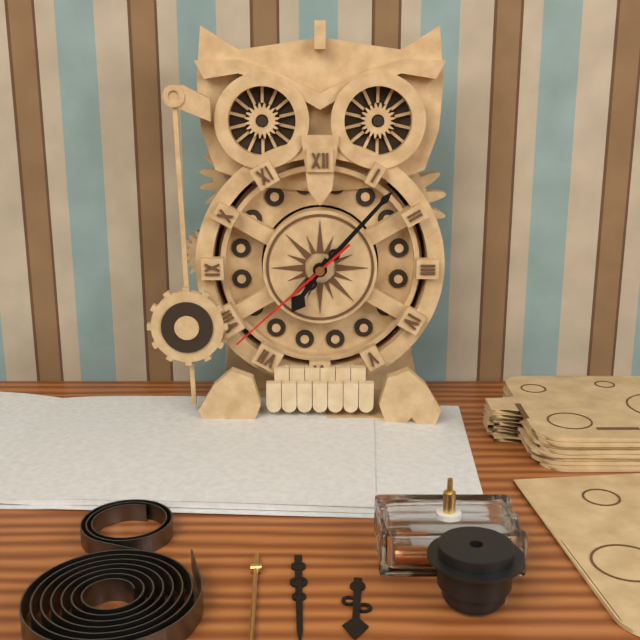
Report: {"hour": 7, "minute": 7, "second": 38}
